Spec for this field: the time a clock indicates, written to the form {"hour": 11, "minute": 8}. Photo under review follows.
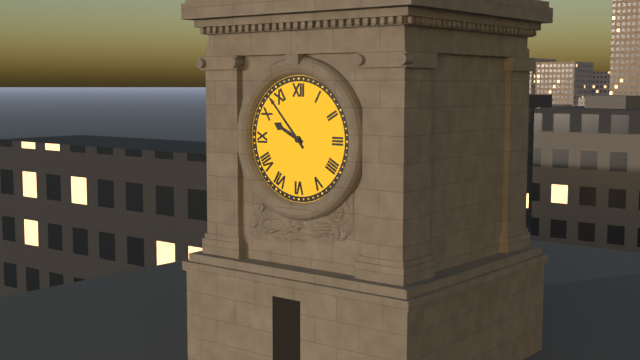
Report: {"hour": 9, "minute": 53}
